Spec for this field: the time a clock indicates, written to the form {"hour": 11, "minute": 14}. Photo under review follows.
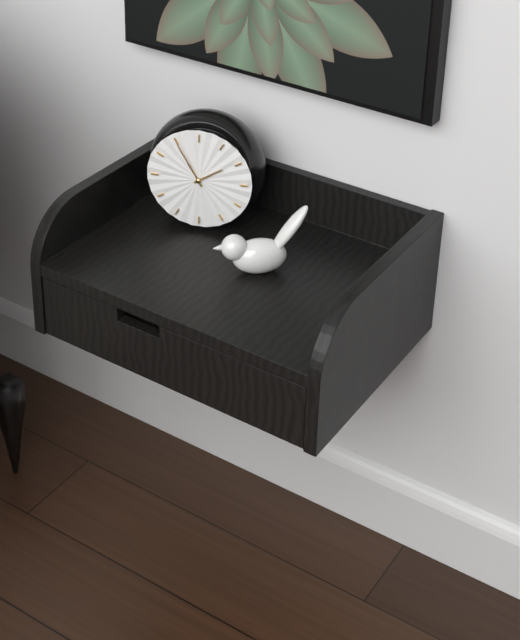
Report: {"hour": 1, "minute": 55}
